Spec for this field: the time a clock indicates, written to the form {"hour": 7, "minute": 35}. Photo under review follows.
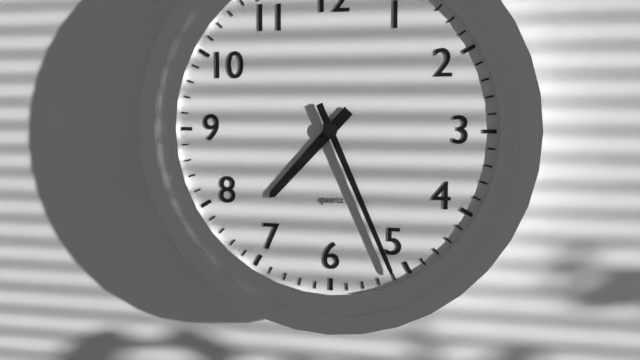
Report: {"hour": 7, "minute": 26}
